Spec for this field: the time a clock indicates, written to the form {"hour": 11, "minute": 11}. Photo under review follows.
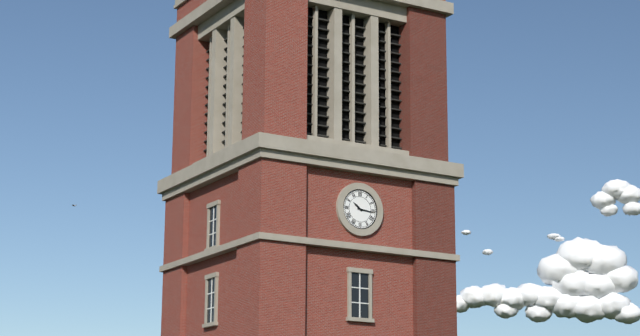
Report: {"hour": 10, "minute": 16}
